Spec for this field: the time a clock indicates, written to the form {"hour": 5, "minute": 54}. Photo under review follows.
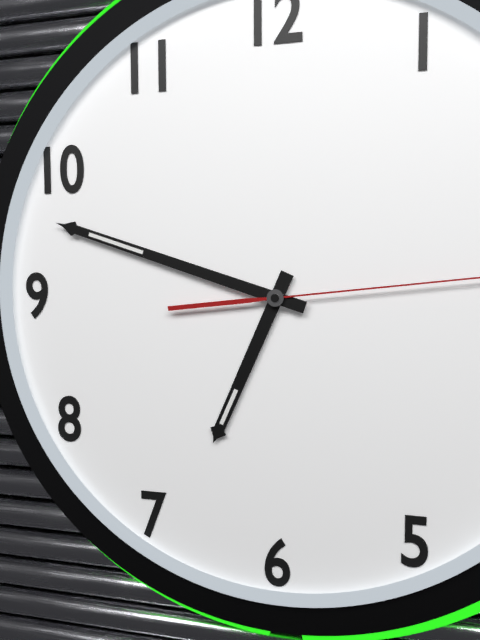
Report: {"hour": 6, "minute": 48}
